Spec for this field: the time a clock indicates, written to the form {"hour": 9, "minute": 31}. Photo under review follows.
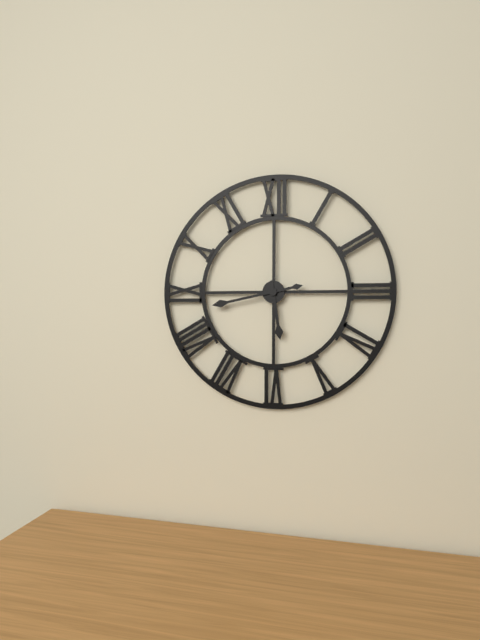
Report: {"hour": 5, "minute": 43}
